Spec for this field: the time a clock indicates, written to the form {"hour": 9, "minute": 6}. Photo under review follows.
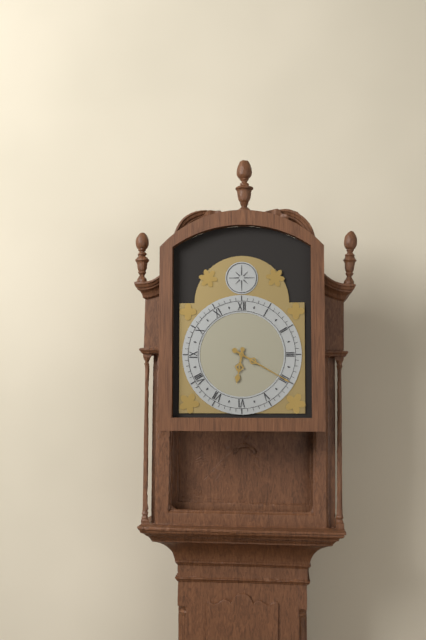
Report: {"hour": 6, "minute": 20}
